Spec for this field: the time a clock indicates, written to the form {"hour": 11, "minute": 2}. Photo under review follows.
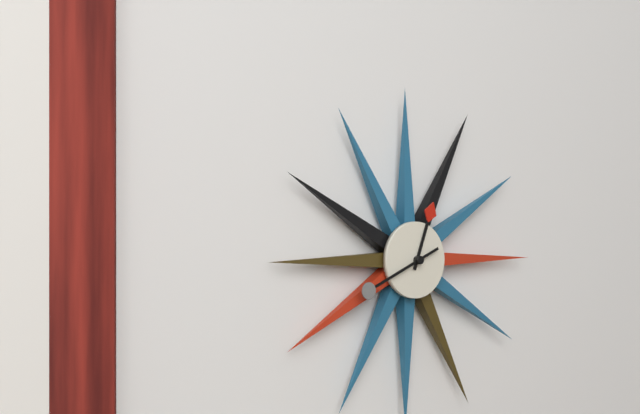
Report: {"hour": 12, "minute": 41}
